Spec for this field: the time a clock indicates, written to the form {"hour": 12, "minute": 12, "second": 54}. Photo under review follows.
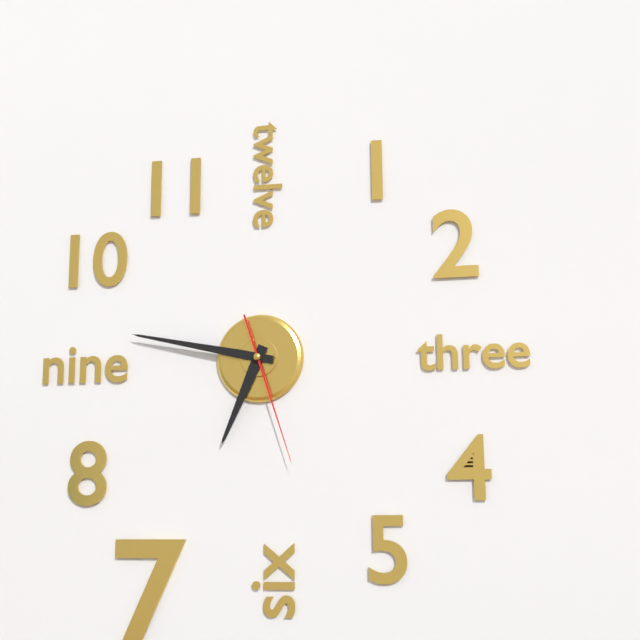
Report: {"hour": 6, "minute": 47, "second": 27}
